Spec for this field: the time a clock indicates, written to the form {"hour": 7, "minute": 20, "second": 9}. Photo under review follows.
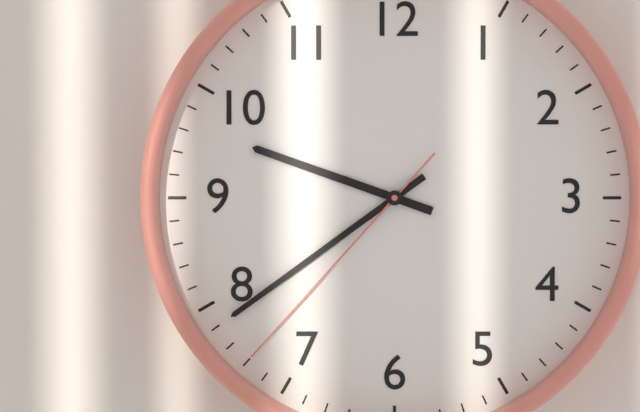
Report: {"hour": 9, "minute": 39, "second": 37}
